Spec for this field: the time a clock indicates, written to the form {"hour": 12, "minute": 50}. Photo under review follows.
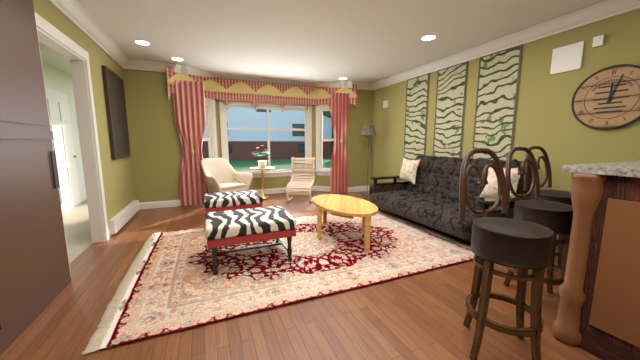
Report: {"hour": 12, "minute": 3}
